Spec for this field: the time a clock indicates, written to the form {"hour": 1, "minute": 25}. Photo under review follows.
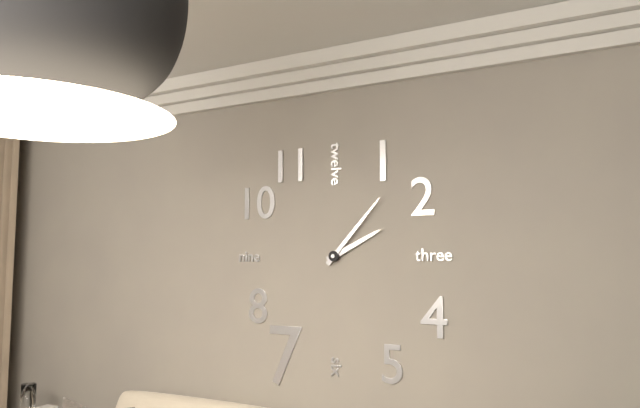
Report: {"hour": 2, "minute": 7}
